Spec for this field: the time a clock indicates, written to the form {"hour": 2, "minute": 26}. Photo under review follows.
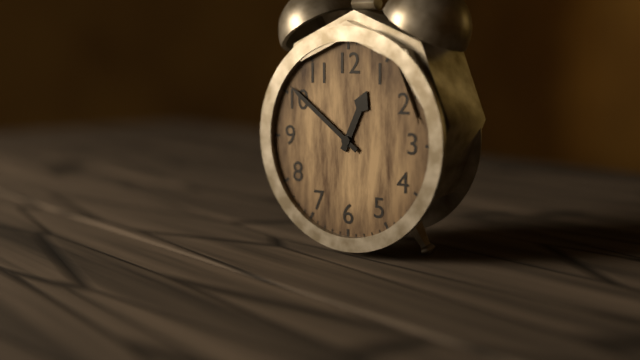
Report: {"hour": 12, "minute": 51}
